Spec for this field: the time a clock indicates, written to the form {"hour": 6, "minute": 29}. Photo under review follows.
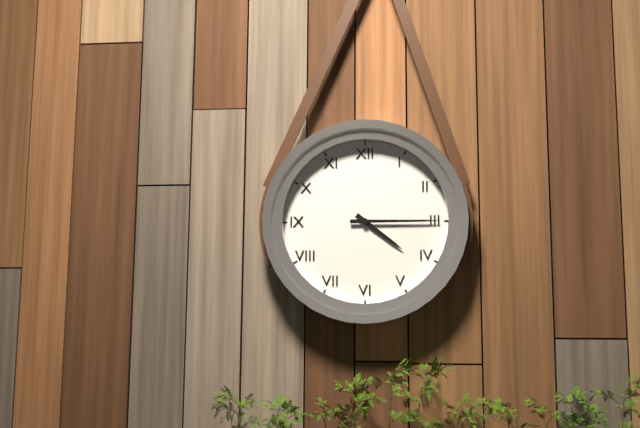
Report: {"hour": 4, "minute": 15}
